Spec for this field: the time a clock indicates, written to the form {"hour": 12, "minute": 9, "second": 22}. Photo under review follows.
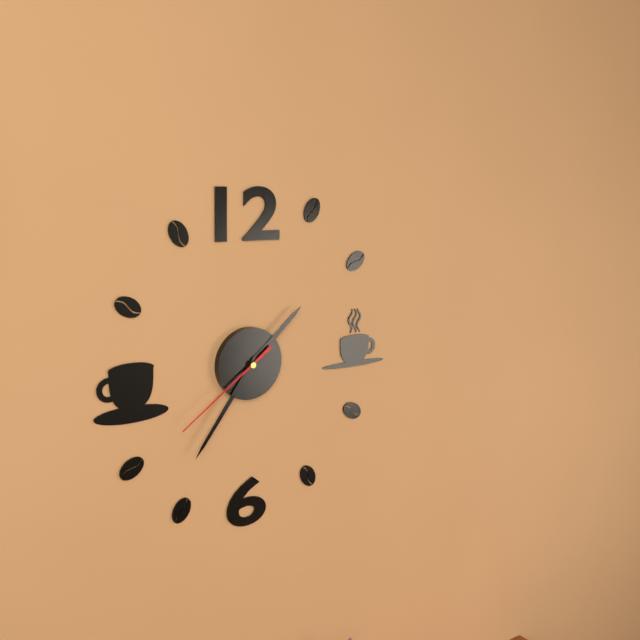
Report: {"hour": 1, "minute": 36, "second": 39}
